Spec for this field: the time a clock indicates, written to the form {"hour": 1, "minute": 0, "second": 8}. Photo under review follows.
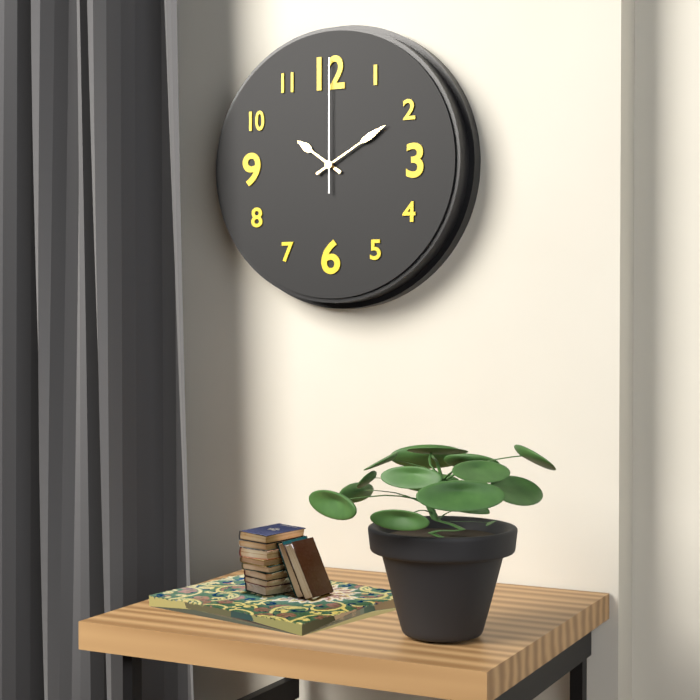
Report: {"hour": 10, "minute": 10, "second": 0}
